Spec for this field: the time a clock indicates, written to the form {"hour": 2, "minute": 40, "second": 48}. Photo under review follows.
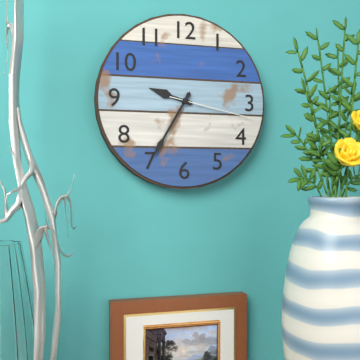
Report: {"hour": 9, "minute": 35, "second": 17}
